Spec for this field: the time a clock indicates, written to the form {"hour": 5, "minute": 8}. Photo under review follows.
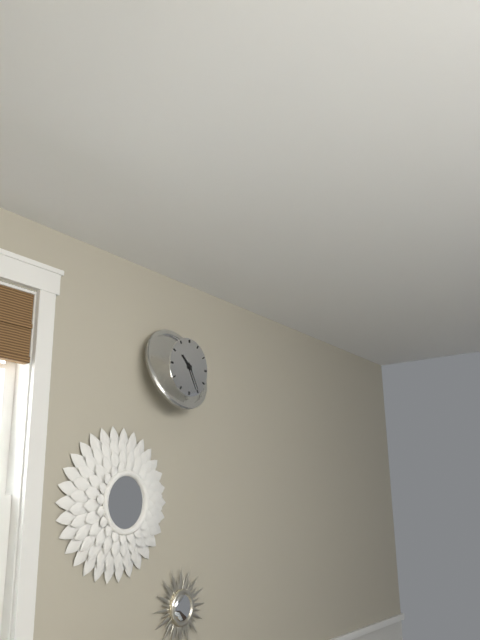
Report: {"hour": 10, "minute": 25}
